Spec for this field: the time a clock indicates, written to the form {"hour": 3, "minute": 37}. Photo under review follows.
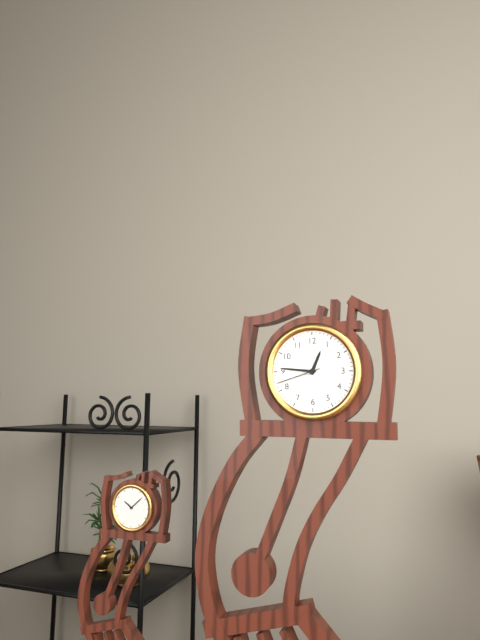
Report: {"hour": 12, "minute": 46}
